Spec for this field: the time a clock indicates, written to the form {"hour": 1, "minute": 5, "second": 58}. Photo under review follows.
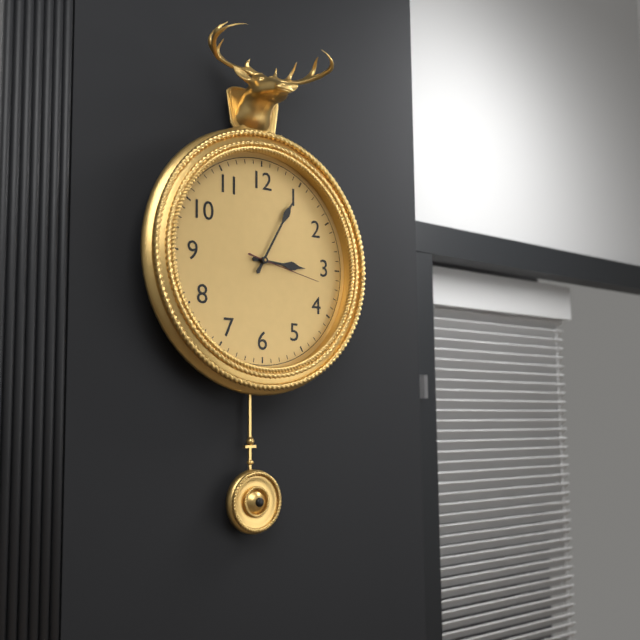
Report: {"hour": 3, "minute": 5, "second": 17}
